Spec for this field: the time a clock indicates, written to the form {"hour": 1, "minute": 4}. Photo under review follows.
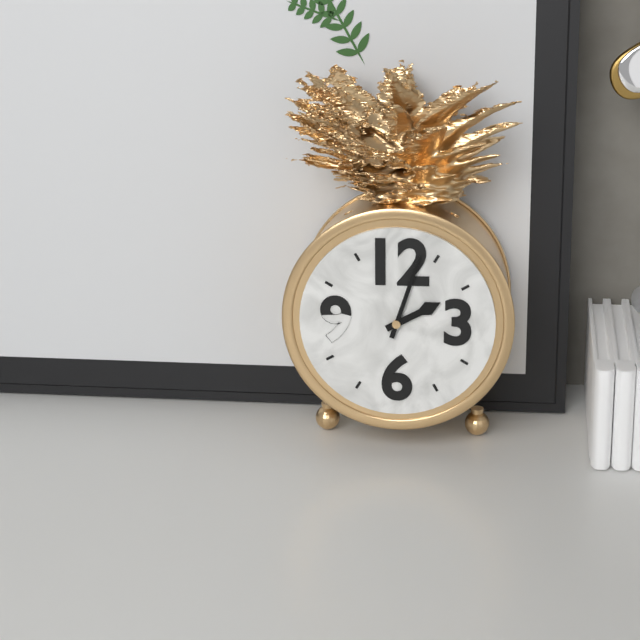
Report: {"hour": 2, "minute": 3}
